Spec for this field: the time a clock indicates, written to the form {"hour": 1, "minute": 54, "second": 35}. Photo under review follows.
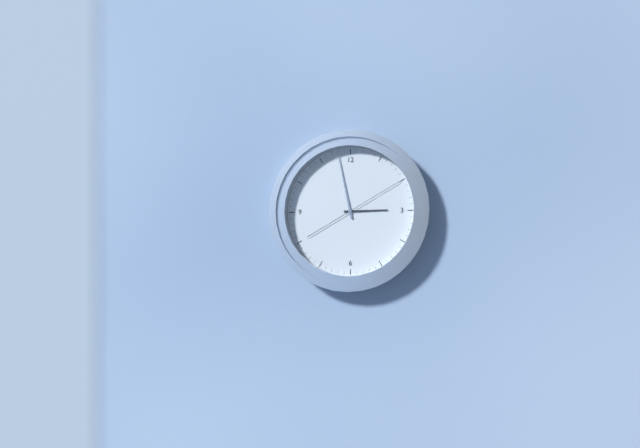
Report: {"hour": 2, "minute": 58, "second": 10}
